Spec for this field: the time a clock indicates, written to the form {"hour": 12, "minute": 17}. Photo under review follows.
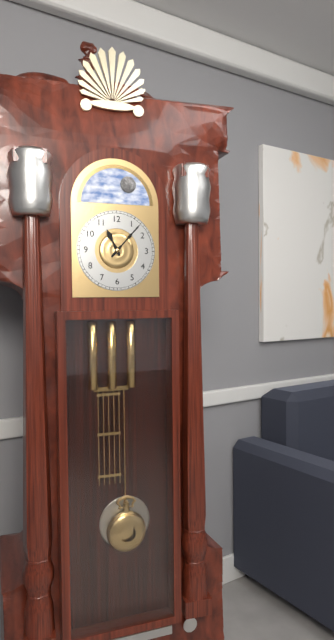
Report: {"hour": 11, "minute": 7}
